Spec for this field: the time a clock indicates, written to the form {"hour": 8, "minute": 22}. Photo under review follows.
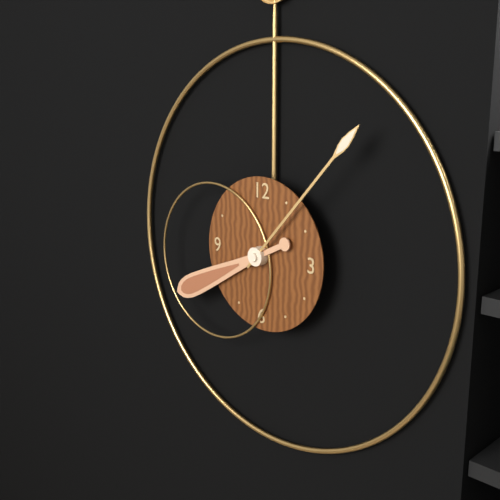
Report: {"hour": 8, "minute": 7}
